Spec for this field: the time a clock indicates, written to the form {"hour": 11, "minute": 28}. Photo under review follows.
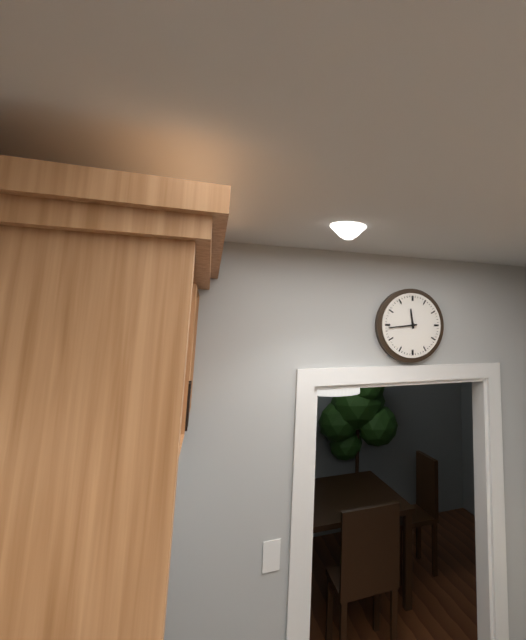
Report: {"hour": 11, "minute": 44}
